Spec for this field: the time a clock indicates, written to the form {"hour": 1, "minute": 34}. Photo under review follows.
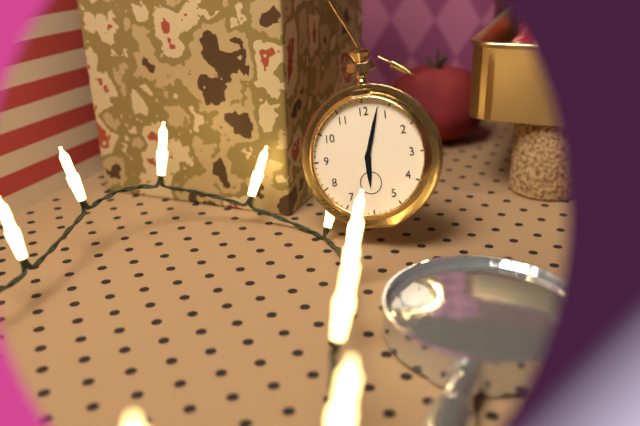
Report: {"hour": 6, "minute": 3}
